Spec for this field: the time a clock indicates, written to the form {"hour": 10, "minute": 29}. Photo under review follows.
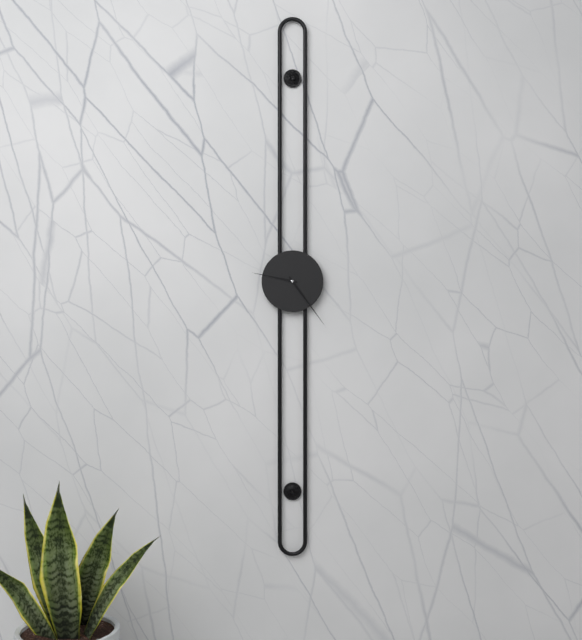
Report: {"hour": 9, "minute": 24}
